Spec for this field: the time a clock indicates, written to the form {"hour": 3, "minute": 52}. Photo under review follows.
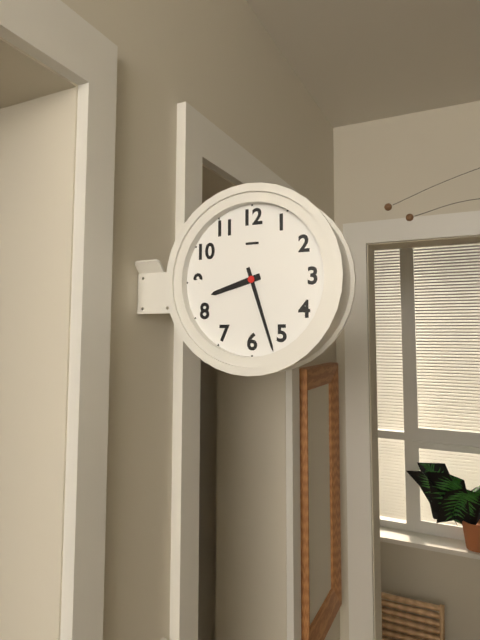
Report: {"hour": 8, "minute": 27}
